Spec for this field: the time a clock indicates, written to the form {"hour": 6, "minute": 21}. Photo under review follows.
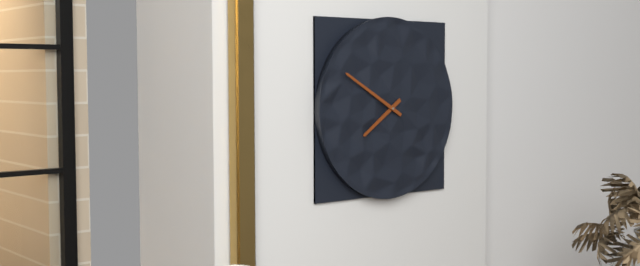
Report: {"hour": 7, "minute": 50}
